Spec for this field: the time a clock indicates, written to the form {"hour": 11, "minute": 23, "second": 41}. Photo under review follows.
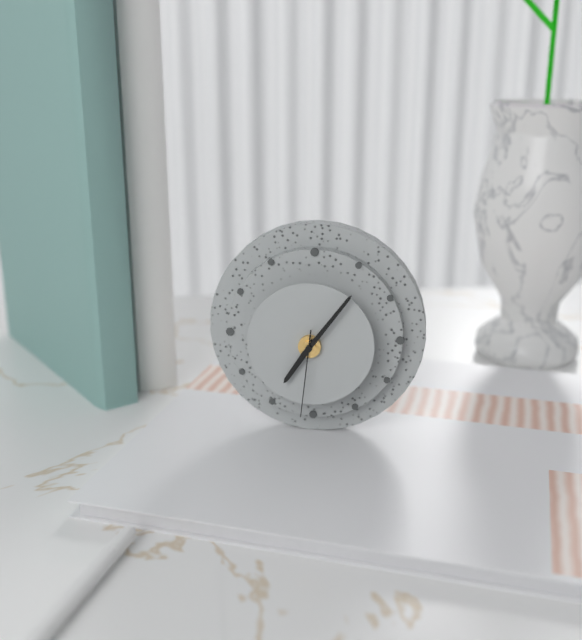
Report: {"hour": 7, "minute": 6, "second": 31}
